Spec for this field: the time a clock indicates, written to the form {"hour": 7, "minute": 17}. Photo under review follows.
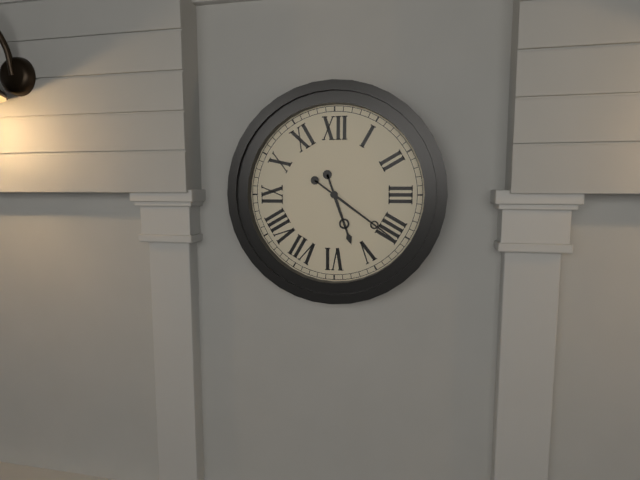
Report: {"hour": 5, "minute": 21}
